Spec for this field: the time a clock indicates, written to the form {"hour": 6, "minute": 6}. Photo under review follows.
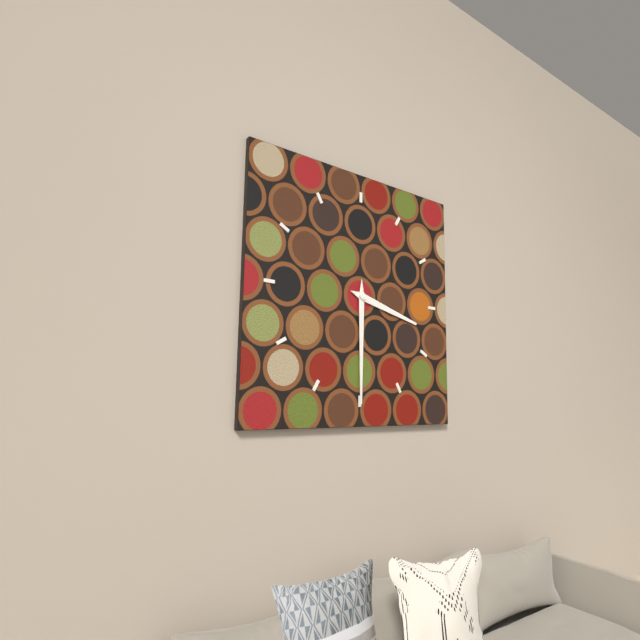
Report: {"hour": 3, "minute": 30}
